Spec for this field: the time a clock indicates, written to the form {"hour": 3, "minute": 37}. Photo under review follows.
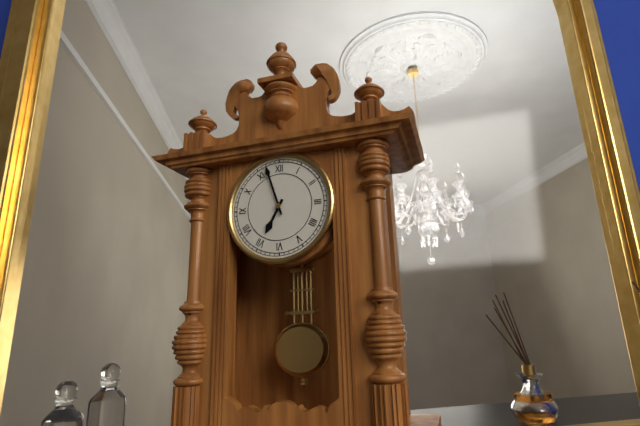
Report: {"hour": 6, "minute": 57}
